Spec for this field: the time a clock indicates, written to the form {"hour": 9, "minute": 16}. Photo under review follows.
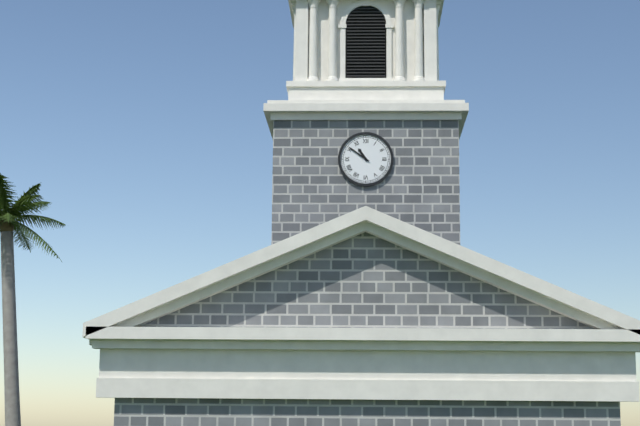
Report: {"hour": 10, "minute": 51}
